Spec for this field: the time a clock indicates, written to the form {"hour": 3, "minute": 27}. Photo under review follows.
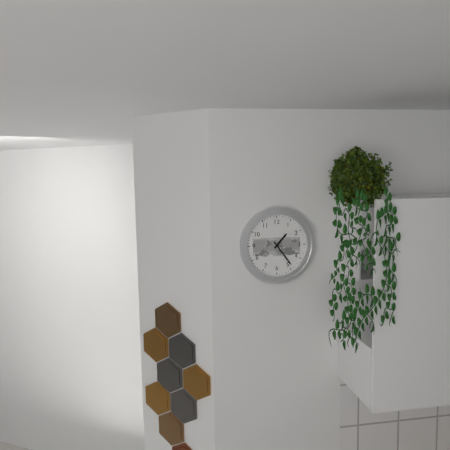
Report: {"hour": 1, "minute": 24}
